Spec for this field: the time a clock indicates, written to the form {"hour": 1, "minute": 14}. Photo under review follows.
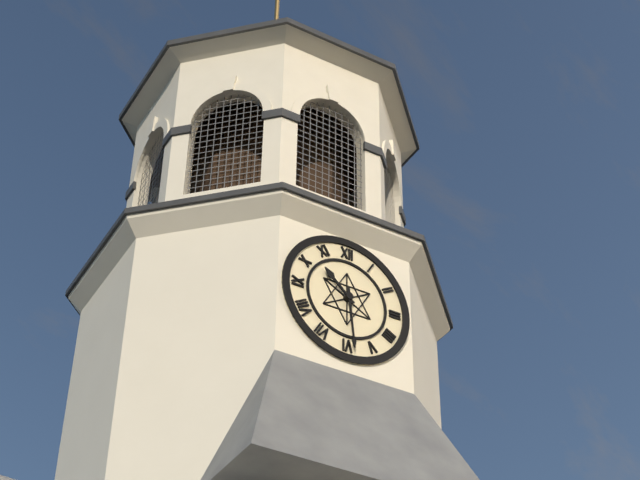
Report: {"hour": 10, "minute": 29}
